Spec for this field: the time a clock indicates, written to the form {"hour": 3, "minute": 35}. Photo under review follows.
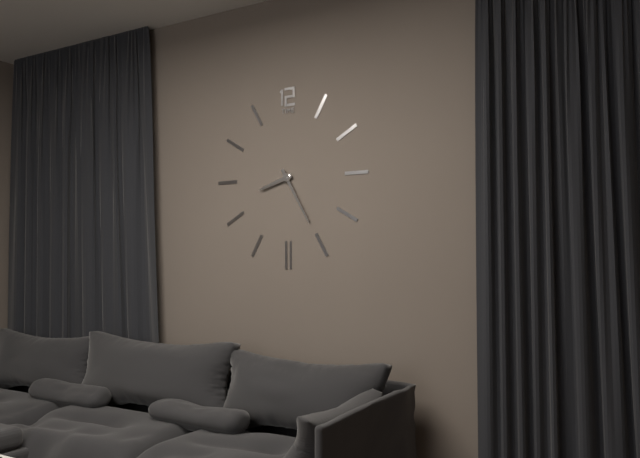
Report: {"hour": 8, "minute": 25}
